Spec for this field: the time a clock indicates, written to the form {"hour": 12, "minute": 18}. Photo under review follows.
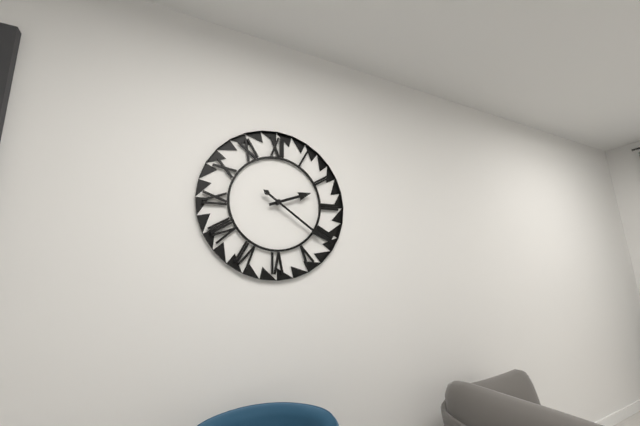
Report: {"hour": 2, "minute": 21}
